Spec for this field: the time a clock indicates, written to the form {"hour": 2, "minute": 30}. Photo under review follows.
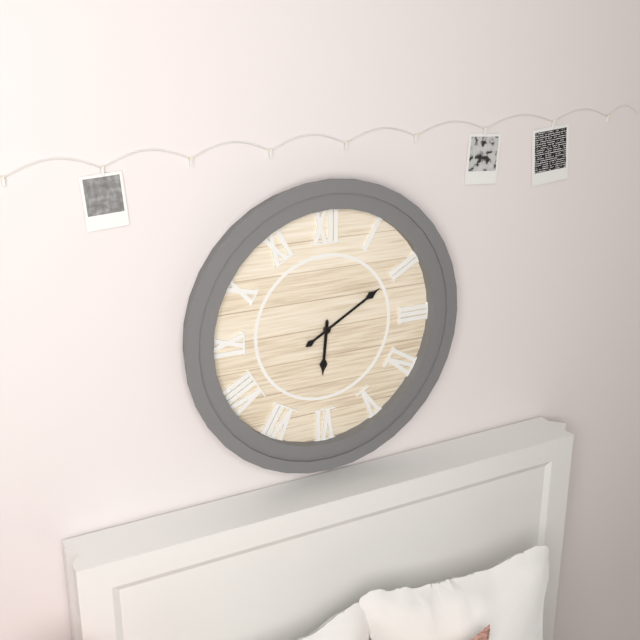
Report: {"hour": 6, "minute": 10}
